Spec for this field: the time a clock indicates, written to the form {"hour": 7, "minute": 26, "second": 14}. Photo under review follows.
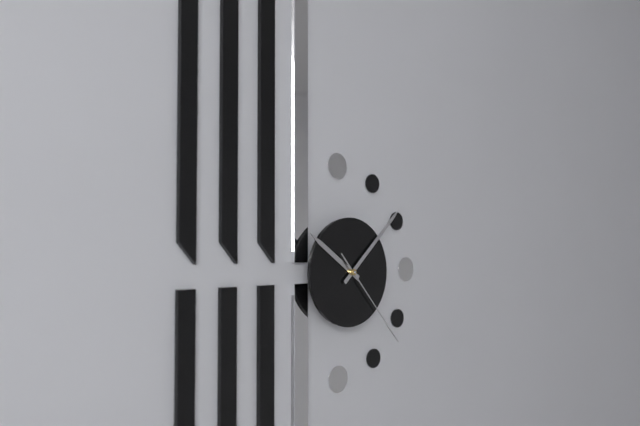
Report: {"hour": 10, "minute": 8, "second": 23}
